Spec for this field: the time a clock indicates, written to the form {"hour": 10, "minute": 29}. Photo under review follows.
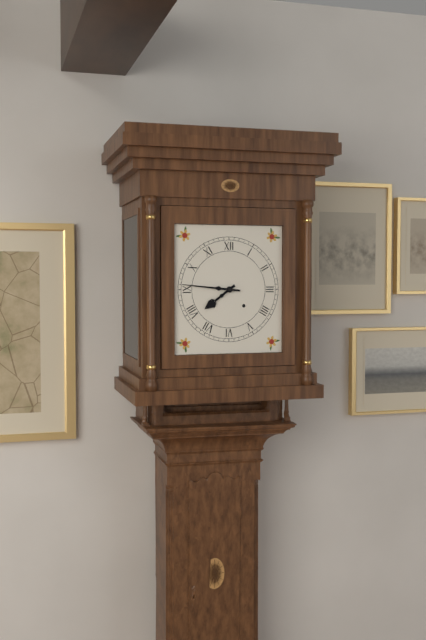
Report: {"hour": 7, "minute": 46}
